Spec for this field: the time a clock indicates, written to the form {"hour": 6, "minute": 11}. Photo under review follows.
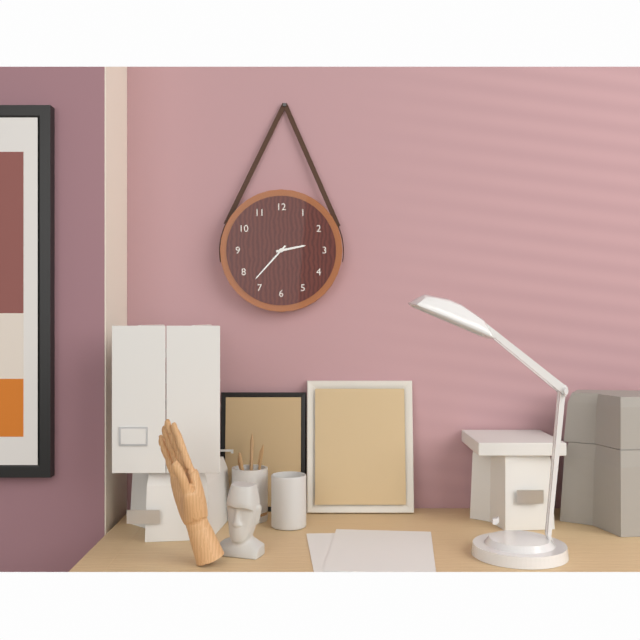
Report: {"hour": 2, "minute": 37}
